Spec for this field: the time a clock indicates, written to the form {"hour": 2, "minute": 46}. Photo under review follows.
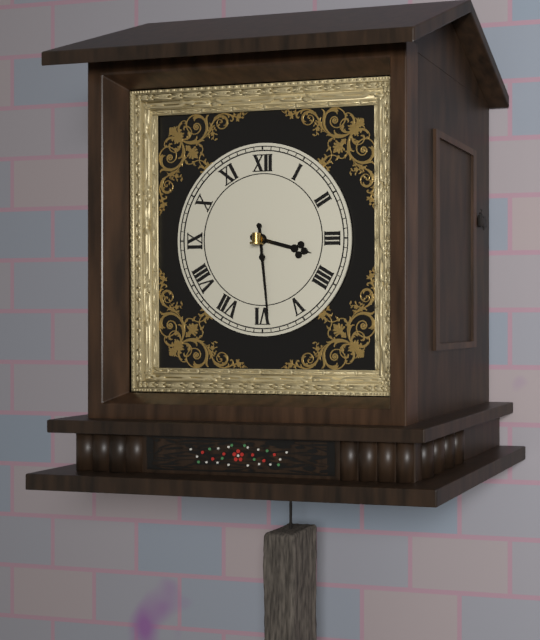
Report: {"hour": 3, "minute": 29}
